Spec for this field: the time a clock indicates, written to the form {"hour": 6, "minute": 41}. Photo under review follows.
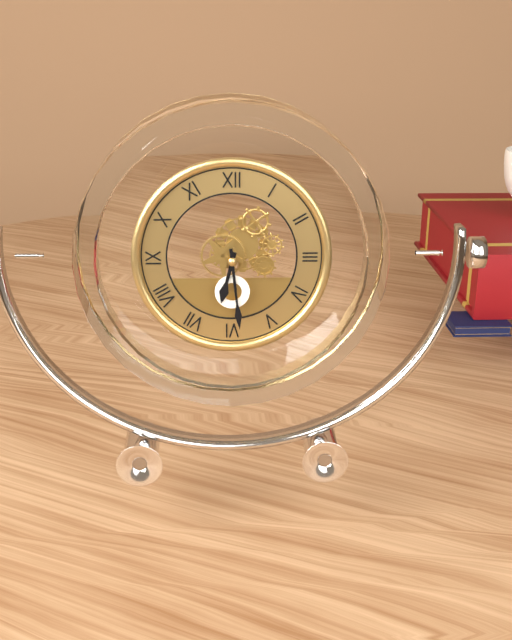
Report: {"hour": 6, "minute": 29}
